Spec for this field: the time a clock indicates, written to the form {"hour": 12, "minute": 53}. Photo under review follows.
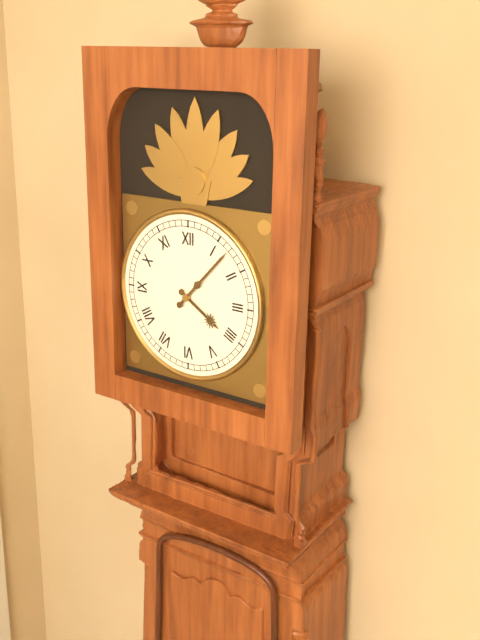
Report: {"hour": 4, "minute": 7}
